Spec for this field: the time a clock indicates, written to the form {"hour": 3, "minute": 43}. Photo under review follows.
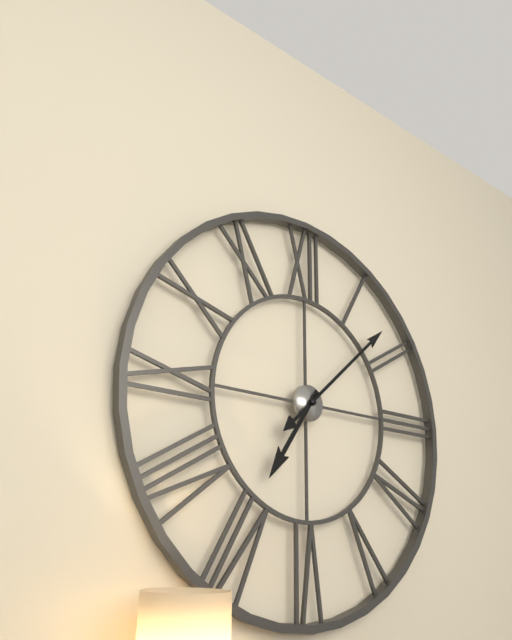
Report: {"hour": 7, "minute": 8}
